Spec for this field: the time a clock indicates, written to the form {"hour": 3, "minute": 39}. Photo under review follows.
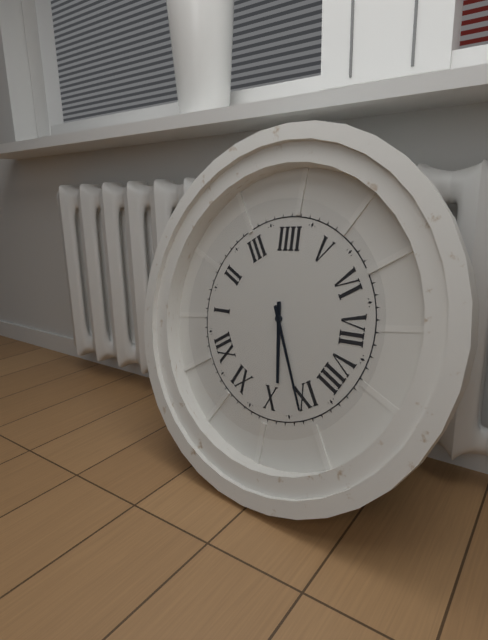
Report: {"hour": 9, "minute": 46}
